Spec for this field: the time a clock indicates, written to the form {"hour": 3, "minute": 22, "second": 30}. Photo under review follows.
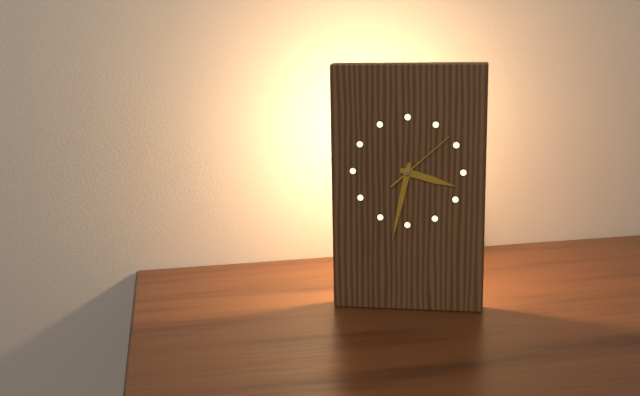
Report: {"hour": 3, "minute": 32, "second": 8}
